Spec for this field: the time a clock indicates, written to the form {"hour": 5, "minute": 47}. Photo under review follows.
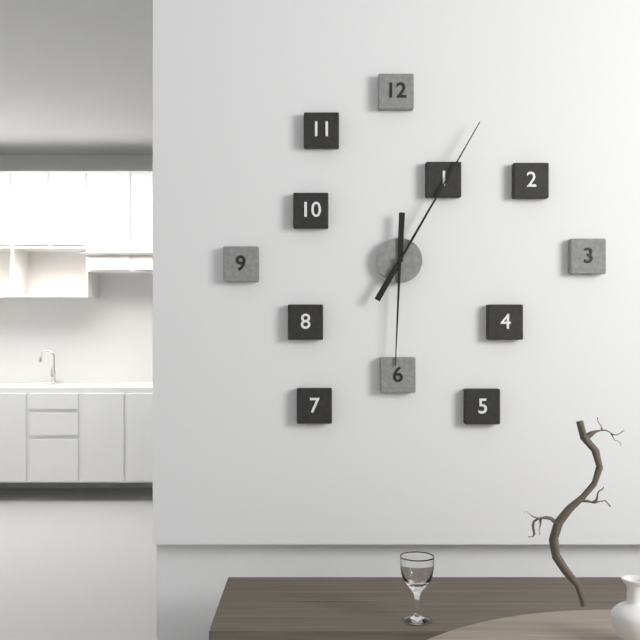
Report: {"hour": 6, "minute": 5}
